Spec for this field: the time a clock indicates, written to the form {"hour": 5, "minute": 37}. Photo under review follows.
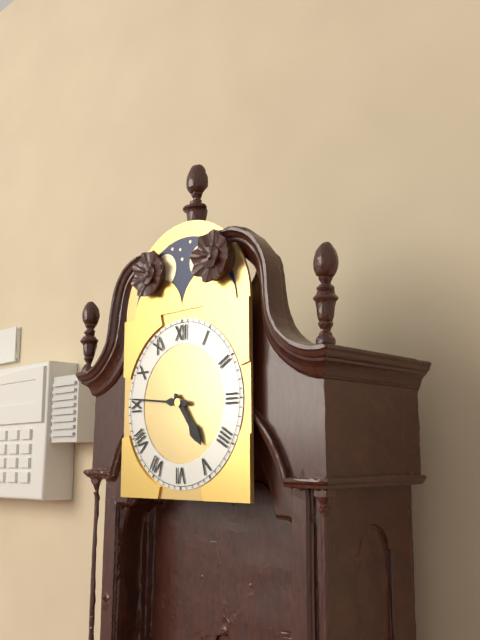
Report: {"hour": 4, "minute": 46}
